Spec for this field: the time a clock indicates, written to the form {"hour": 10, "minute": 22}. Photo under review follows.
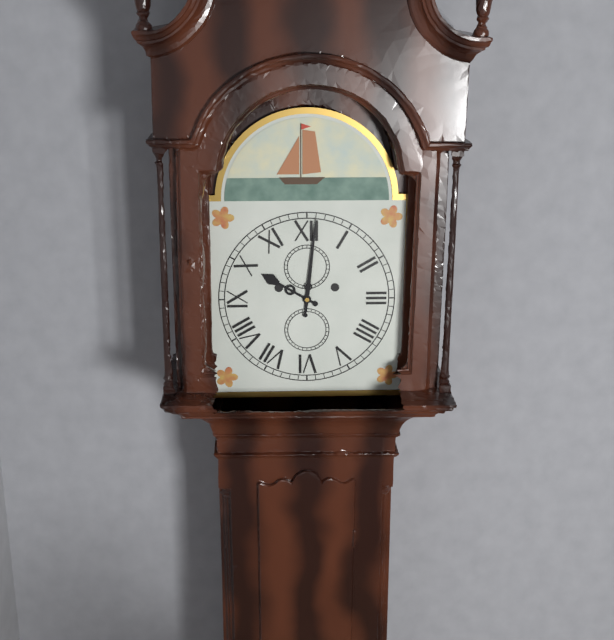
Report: {"hour": 10, "minute": 1}
